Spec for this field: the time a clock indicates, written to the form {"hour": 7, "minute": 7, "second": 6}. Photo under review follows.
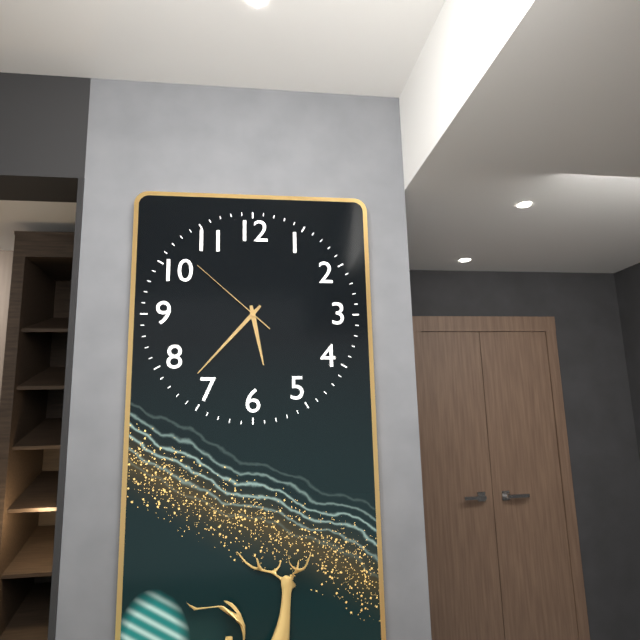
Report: {"hour": 5, "minute": 37, "second": 52}
